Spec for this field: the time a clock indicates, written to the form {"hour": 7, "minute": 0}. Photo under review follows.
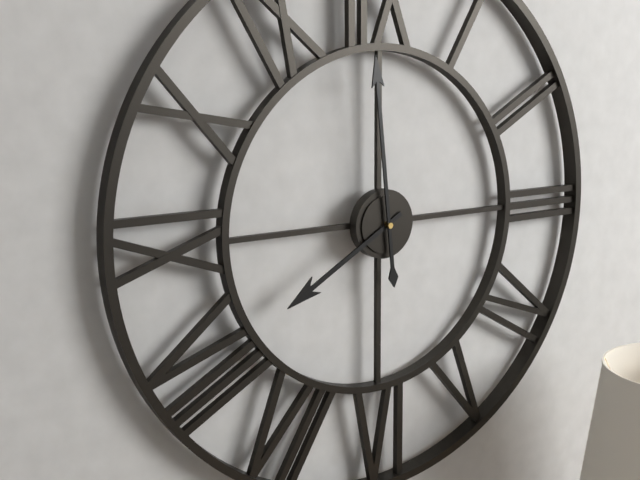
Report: {"hour": 7, "minute": 59}
